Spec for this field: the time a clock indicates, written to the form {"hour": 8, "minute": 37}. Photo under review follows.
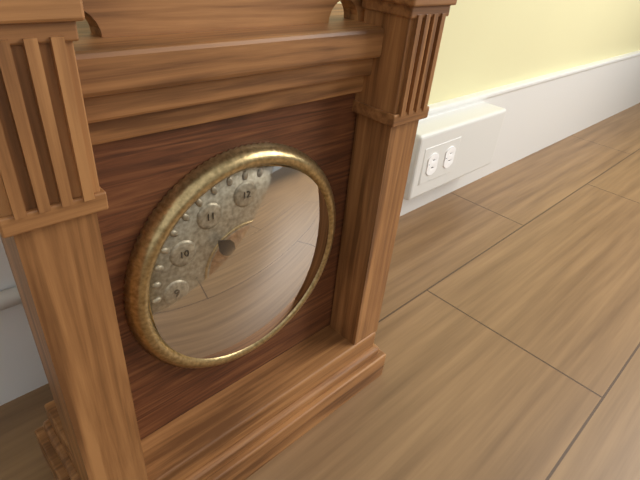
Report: {"hour": 10, "minute": 42}
